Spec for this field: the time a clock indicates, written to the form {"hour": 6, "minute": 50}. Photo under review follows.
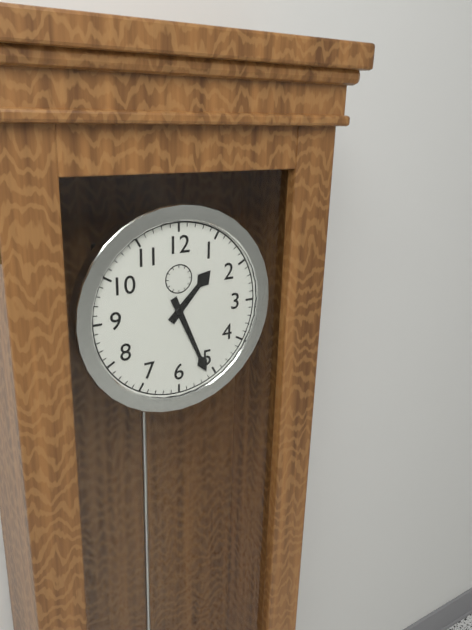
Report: {"hour": 1, "minute": 26}
